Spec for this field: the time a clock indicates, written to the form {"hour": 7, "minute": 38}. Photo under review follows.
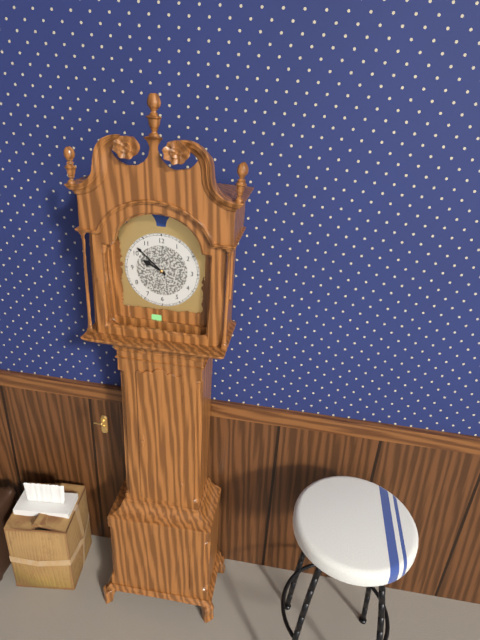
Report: {"hour": 9, "minute": 52}
